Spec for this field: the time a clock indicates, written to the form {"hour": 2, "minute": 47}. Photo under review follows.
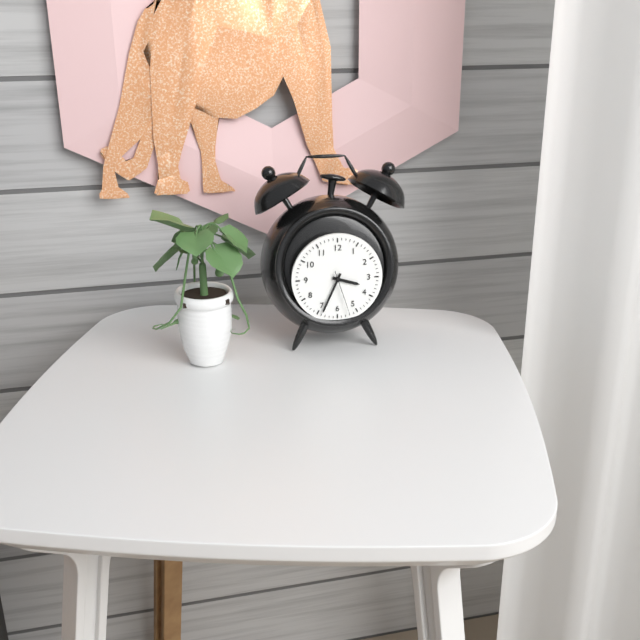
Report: {"hour": 3, "minute": 34}
